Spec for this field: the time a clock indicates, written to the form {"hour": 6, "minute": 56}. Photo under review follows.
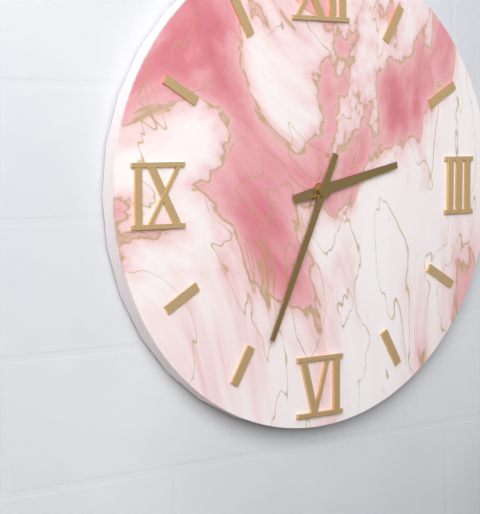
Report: {"hour": 2, "minute": 34}
